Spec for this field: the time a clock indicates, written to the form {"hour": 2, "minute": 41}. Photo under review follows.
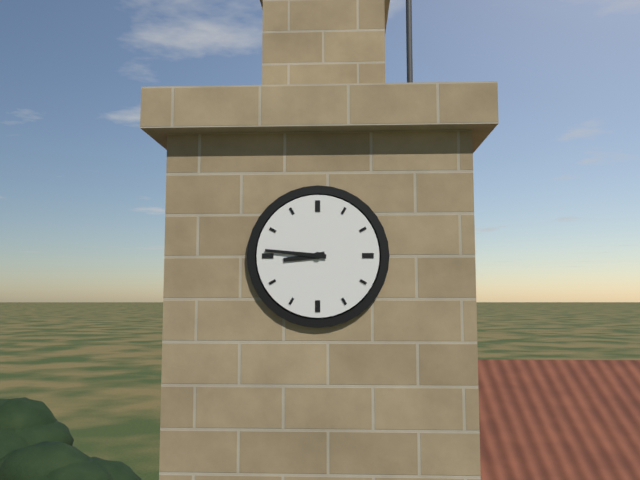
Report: {"hour": 8, "minute": 46}
